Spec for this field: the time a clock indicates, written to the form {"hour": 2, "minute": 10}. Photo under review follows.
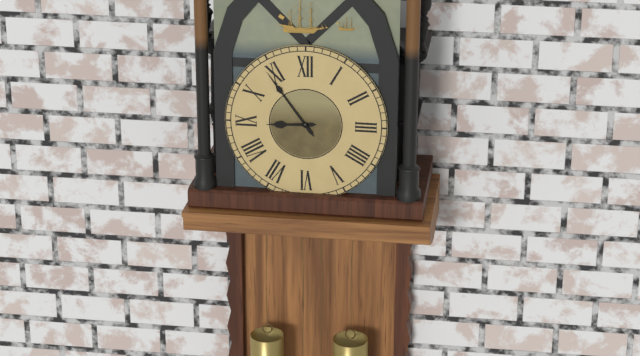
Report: {"hour": 8, "minute": 54}
